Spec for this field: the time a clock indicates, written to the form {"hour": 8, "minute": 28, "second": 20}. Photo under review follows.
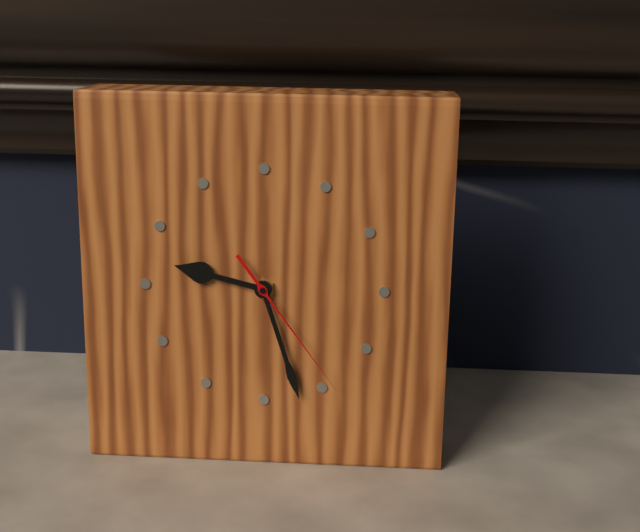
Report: {"hour": 9, "minute": 27, "second": 24}
